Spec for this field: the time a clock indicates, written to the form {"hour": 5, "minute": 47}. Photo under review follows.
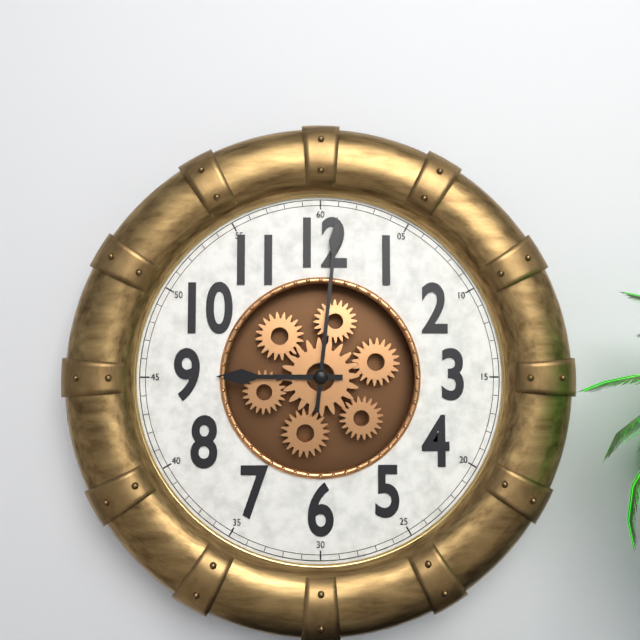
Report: {"hour": 9, "minute": 1}
